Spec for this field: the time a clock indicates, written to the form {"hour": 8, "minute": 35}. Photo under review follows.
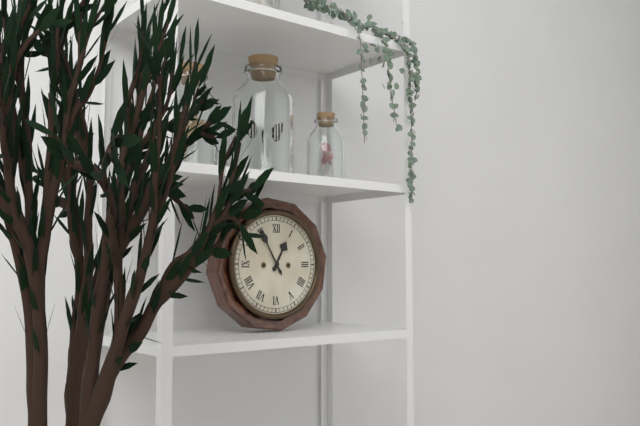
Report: {"hour": 12, "minute": 55}
